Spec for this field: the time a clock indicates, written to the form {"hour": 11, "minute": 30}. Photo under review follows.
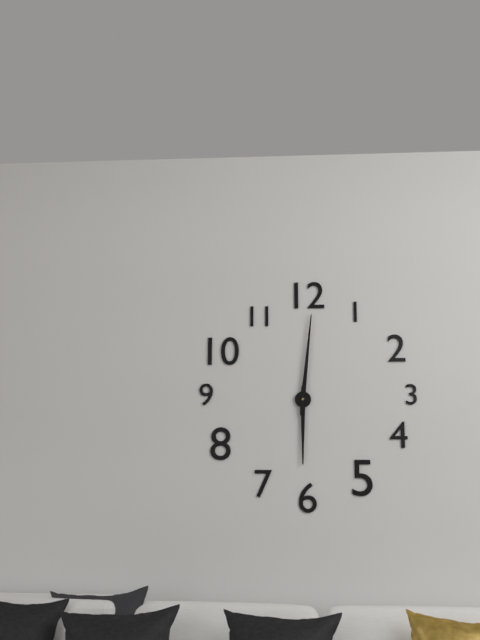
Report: {"hour": 6, "minute": 1}
